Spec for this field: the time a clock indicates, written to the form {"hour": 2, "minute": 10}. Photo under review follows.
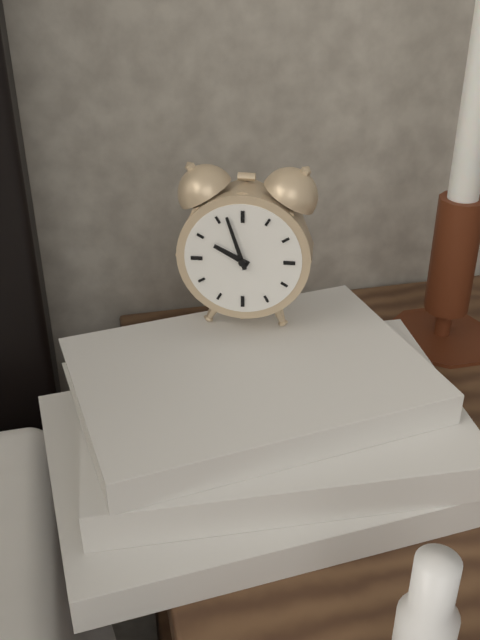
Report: {"hour": 9, "minute": 57}
